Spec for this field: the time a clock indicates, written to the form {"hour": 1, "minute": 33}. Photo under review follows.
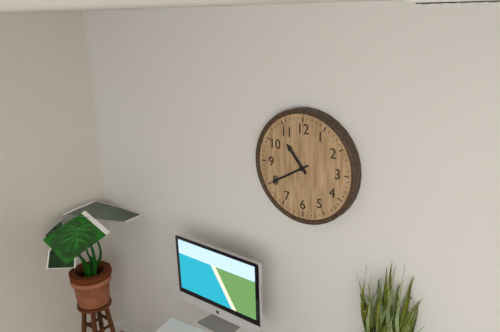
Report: {"hour": 10, "minute": 40}
